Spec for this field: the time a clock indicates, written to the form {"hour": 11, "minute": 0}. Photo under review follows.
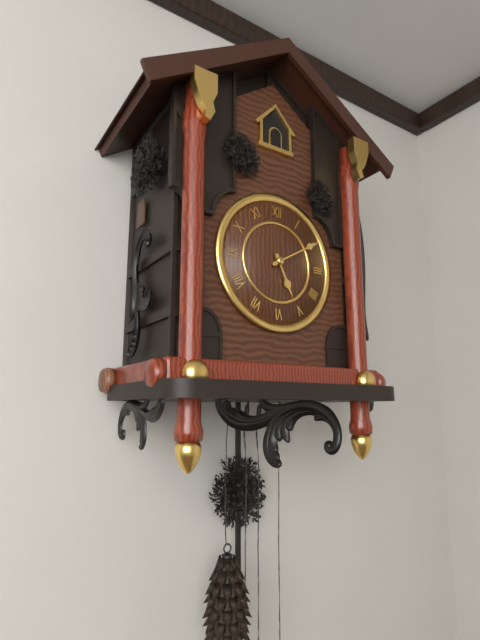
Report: {"hour": 5, "minute": 10}
